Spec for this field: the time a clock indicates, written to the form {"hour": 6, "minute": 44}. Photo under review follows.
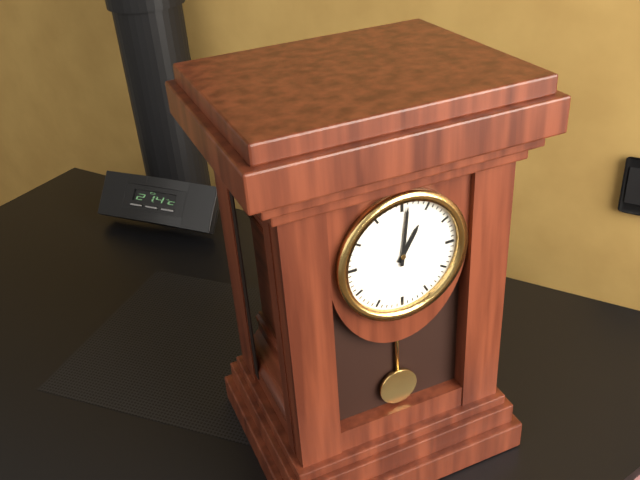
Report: {"hour": 1, "minute": 1}
